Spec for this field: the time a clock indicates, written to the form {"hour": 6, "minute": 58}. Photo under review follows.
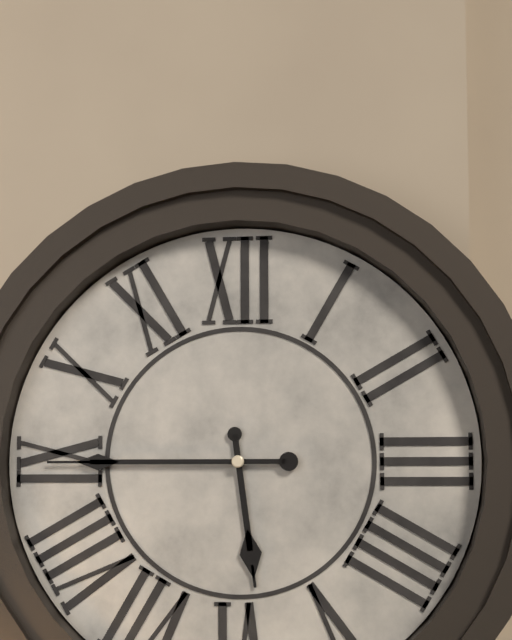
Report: {"hour": 5, "minute": 45}
